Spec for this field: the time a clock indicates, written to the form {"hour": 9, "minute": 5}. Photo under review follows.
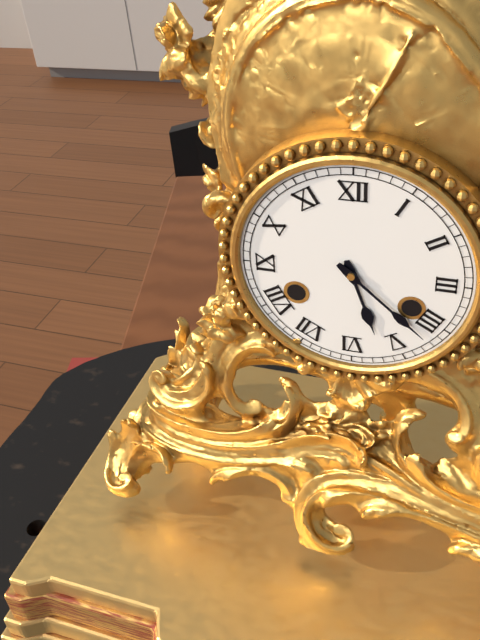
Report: {"hour": 5, "minute": 22}
